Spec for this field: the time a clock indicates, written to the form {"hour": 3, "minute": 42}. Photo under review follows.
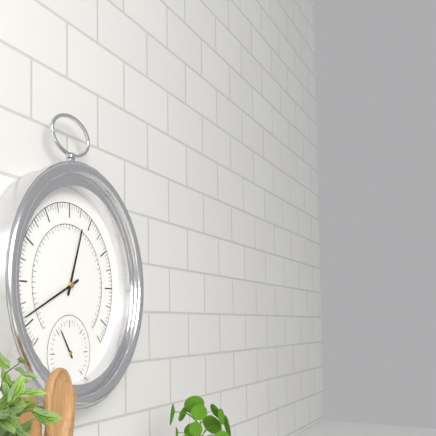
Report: {"hour": 12, "minute": 41}
